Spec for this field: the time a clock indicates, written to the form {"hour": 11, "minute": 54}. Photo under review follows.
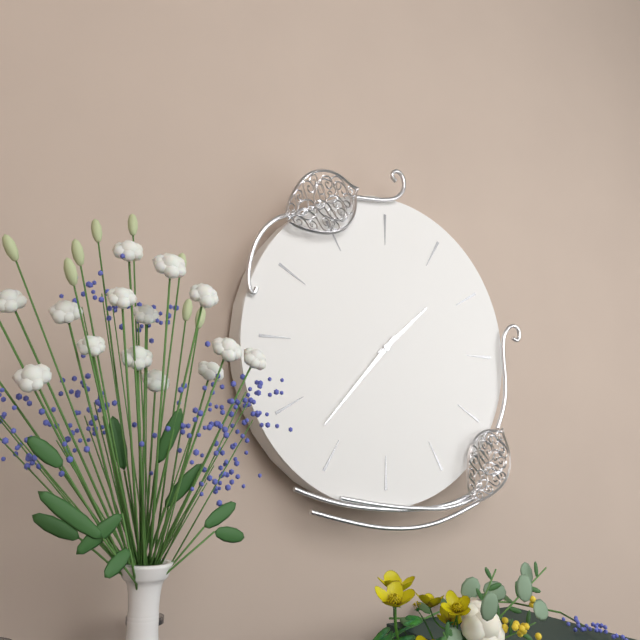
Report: {"hour": 1, "minute": 37}
